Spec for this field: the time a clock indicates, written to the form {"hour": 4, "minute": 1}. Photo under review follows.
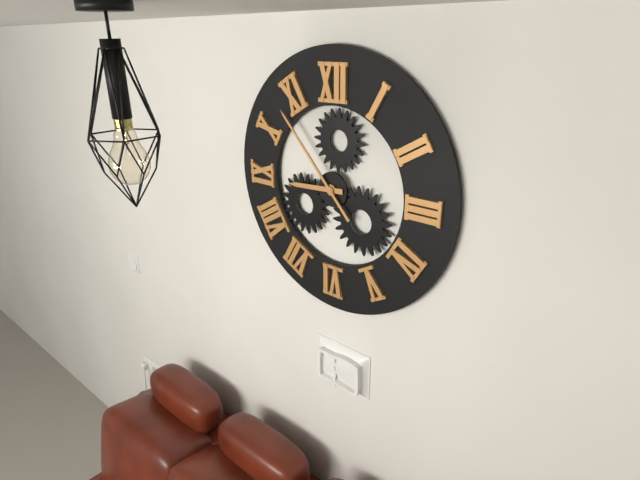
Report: {"hour": 8, "minute": 53}
